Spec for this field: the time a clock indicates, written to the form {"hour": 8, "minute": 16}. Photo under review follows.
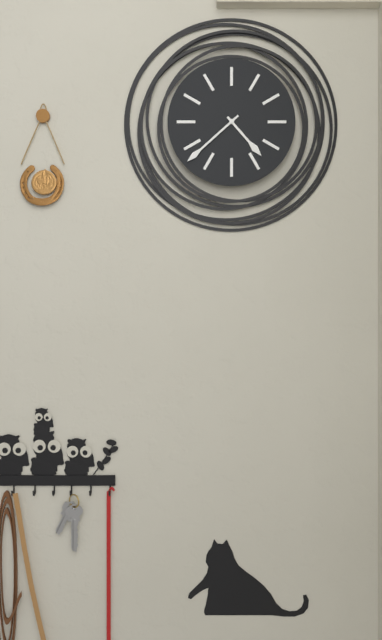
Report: {"hour": 4, "minute": 38}
